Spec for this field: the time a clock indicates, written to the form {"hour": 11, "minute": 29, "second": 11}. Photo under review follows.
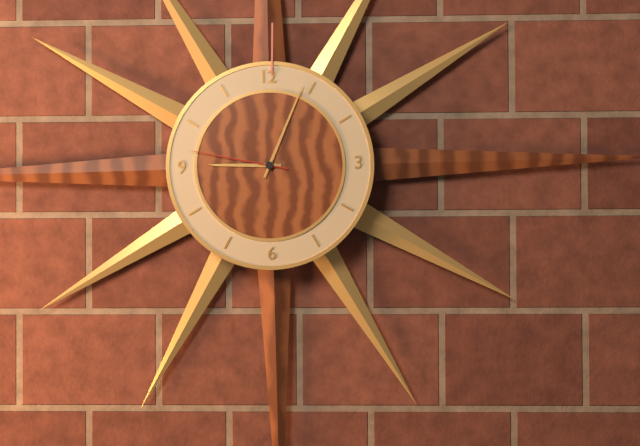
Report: {"hour": 9, "minute": 4, "second": 47}
